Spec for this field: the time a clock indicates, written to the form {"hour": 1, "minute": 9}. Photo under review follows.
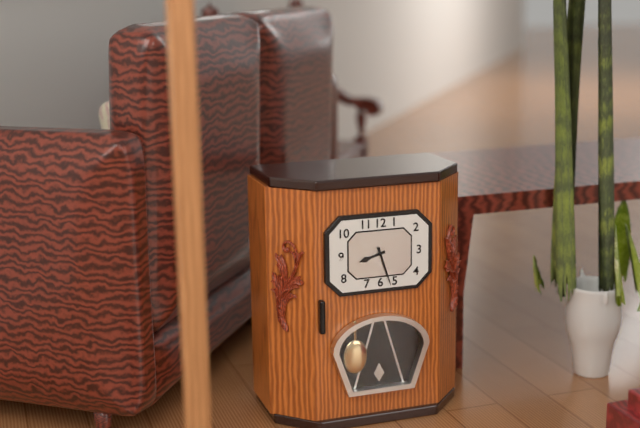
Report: {"hour": 8, "minute": 27}
